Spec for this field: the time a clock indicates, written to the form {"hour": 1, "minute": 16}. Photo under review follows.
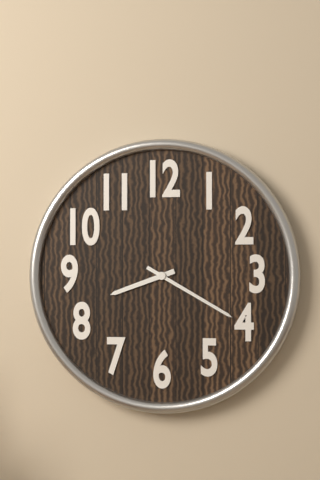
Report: {"hour": 8, "minute": 20}
